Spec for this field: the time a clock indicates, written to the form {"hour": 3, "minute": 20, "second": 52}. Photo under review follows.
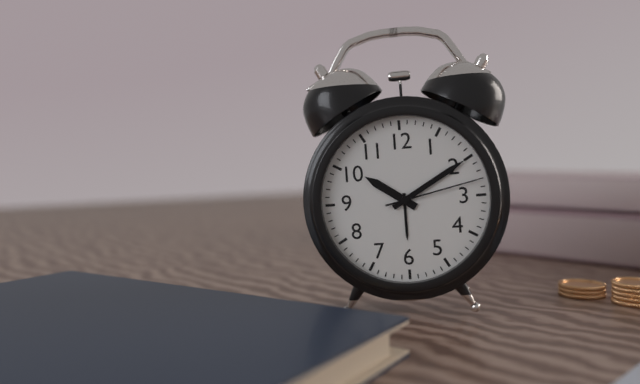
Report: {"hour": 10, "minute": 10, "second": 13}
